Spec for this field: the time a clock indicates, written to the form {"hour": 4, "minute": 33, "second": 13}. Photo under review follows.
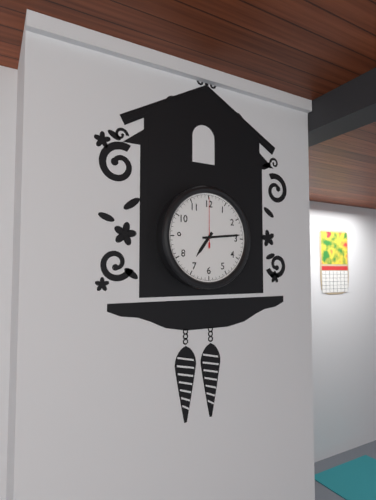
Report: {"hour": 7, "minute": 14, "second": 0}
